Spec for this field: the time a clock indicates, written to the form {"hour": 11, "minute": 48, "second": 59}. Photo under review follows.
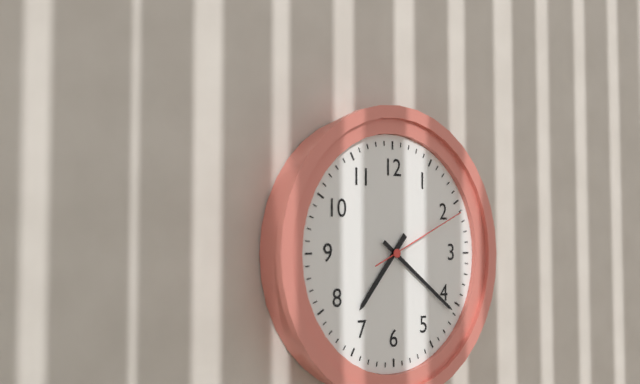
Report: {"hour": 7, "minute": 21, "second": 11}
